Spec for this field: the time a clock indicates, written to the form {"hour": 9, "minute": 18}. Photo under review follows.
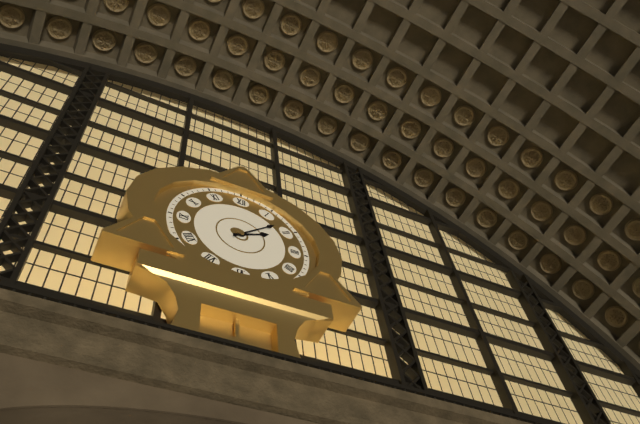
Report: {"hour": 2, "minute": 8}
